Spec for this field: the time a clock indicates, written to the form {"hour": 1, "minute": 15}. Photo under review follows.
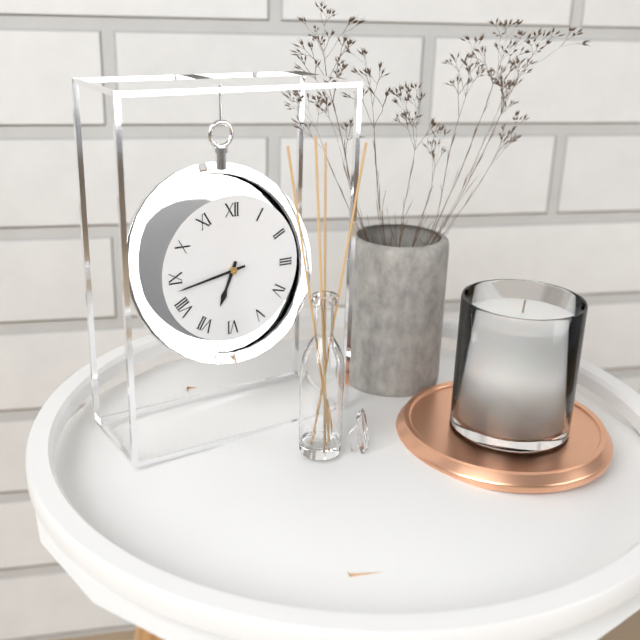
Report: {"hour": 6, "minute": 43}
